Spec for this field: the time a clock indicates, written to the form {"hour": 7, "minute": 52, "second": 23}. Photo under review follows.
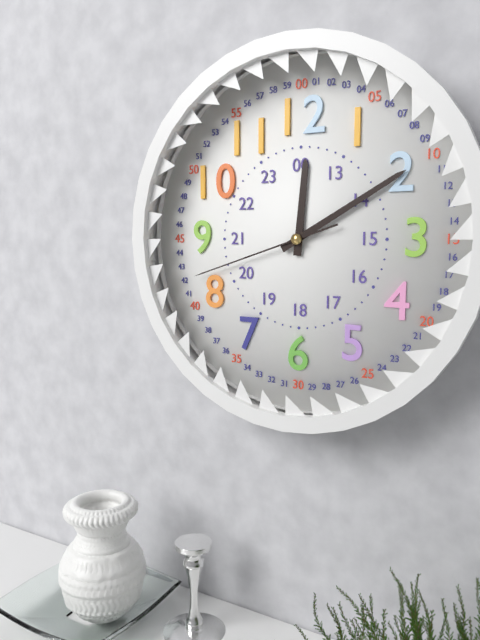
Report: {"hour": 12, "minute": 10, "second": 42}
